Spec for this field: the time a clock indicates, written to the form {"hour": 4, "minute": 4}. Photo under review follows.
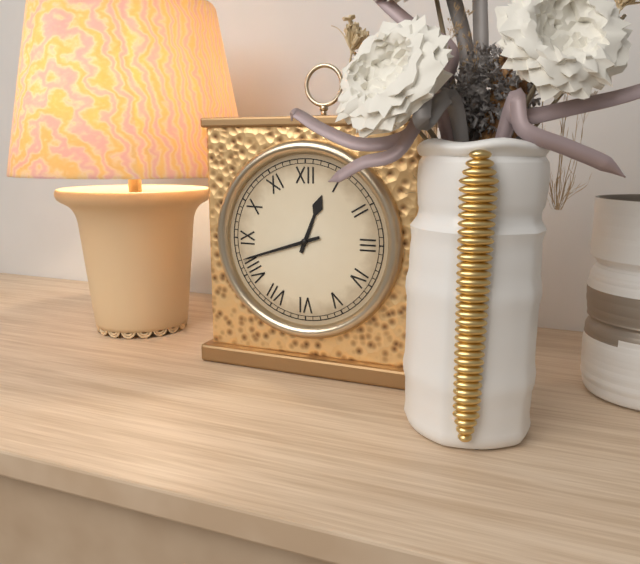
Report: {"hour": 12, "minute": 42}
